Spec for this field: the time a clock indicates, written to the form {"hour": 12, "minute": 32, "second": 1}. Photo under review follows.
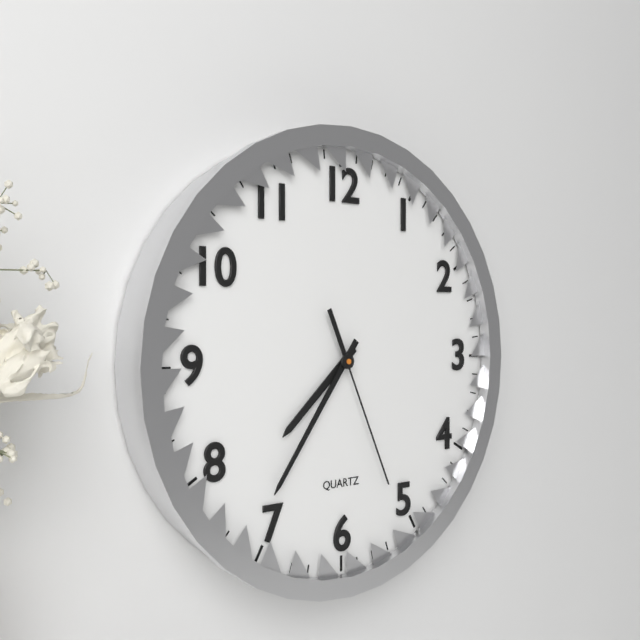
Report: {"hour": 7, "minute": 36, "second": 26}
